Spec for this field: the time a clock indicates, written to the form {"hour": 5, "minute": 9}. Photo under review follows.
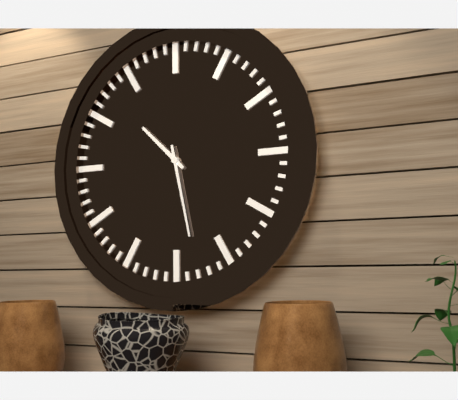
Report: {"hour": 10, "minute": 28}
